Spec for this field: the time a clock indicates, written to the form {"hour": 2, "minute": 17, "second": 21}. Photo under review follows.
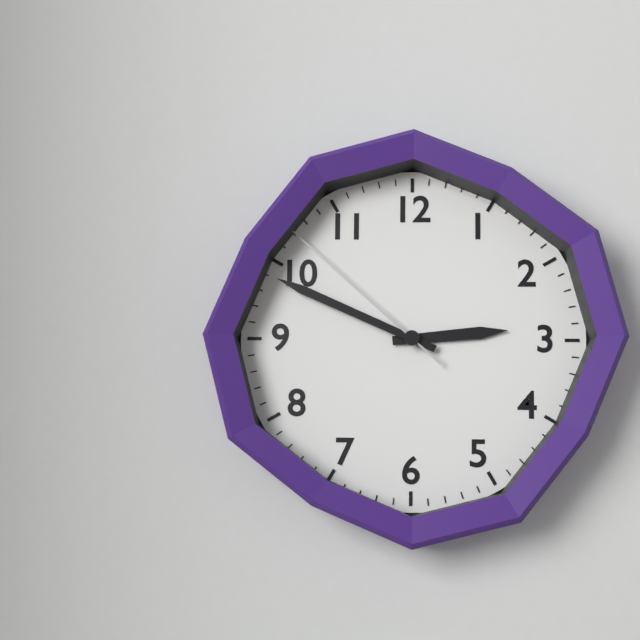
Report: {"hour": 2, "minute": 49, "second": 52}
